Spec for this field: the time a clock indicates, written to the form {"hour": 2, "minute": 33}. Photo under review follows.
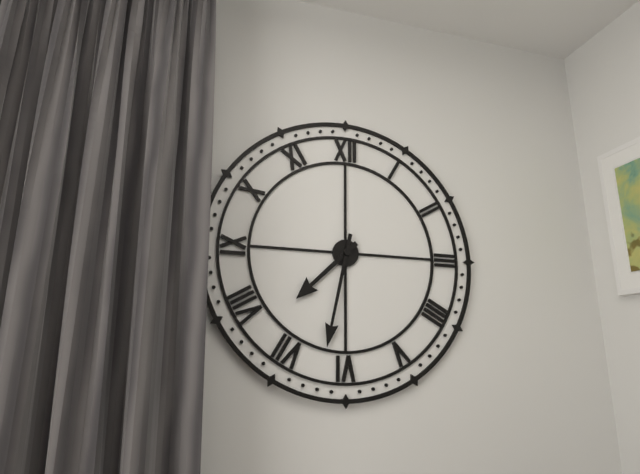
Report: {"hour": 7, "minute": 32}
